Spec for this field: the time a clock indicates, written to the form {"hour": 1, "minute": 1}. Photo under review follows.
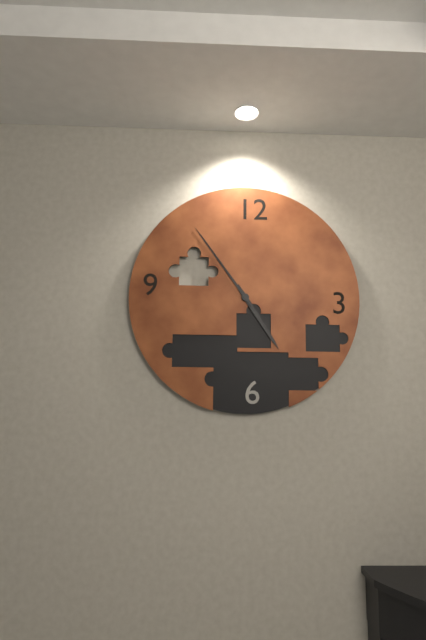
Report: {"hour": 4, "minute": 54}
